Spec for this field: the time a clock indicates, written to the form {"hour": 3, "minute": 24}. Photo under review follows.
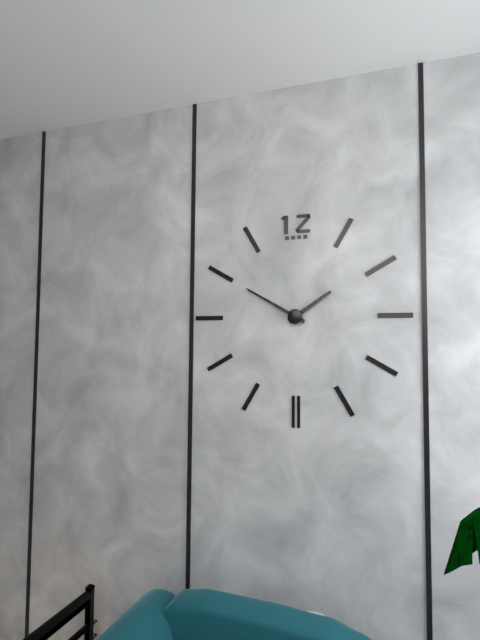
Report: {"hour": 1, "minute": 50}
